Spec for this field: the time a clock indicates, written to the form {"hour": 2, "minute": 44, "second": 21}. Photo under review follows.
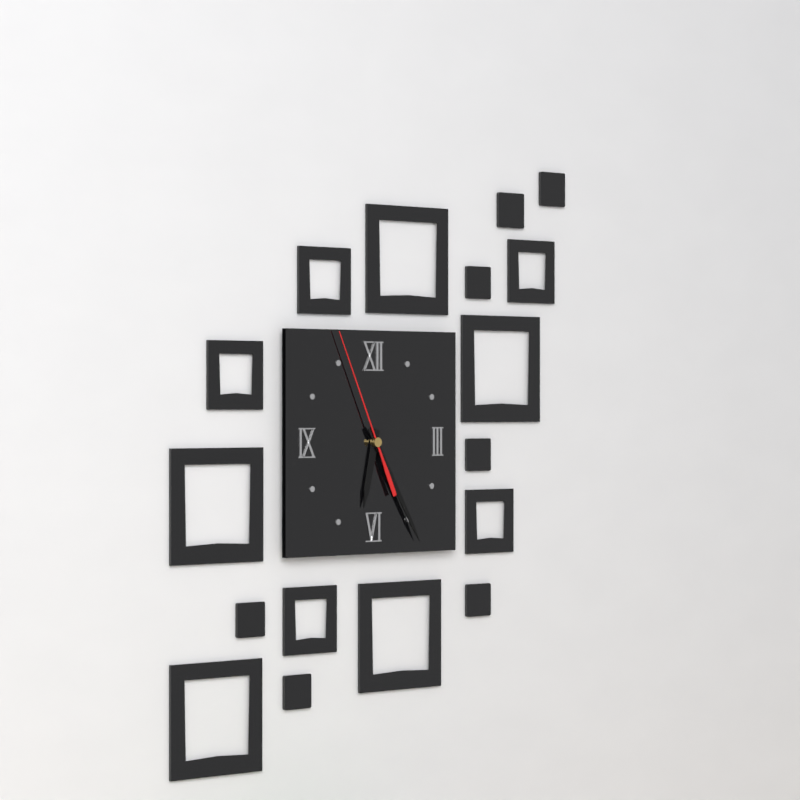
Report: {"hour": 6, "minute": 25, "second": 56}
